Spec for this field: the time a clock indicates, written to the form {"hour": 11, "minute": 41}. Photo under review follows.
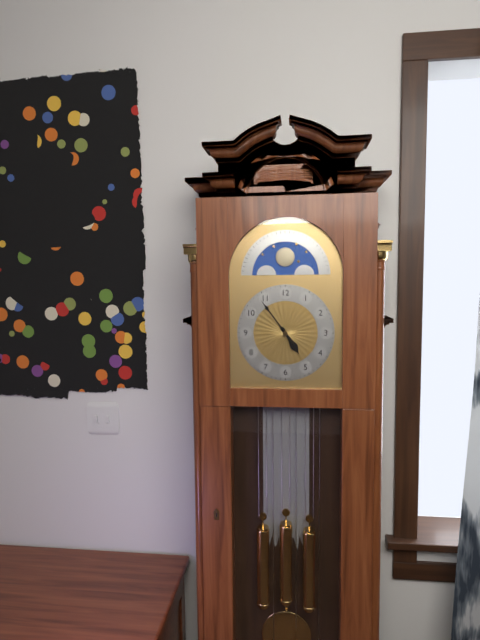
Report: {"hour": 4, "minute": 54}
